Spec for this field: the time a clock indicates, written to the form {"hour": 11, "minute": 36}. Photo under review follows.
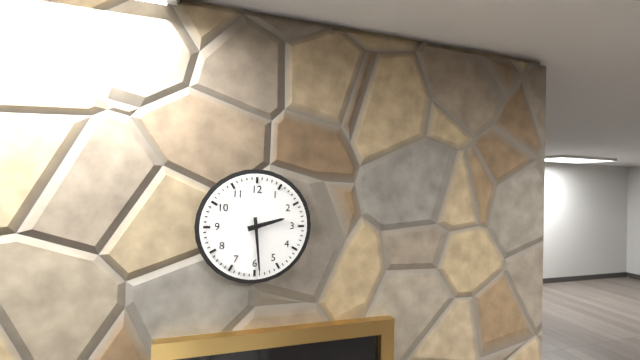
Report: {"hour": 2, "minute": 29}
